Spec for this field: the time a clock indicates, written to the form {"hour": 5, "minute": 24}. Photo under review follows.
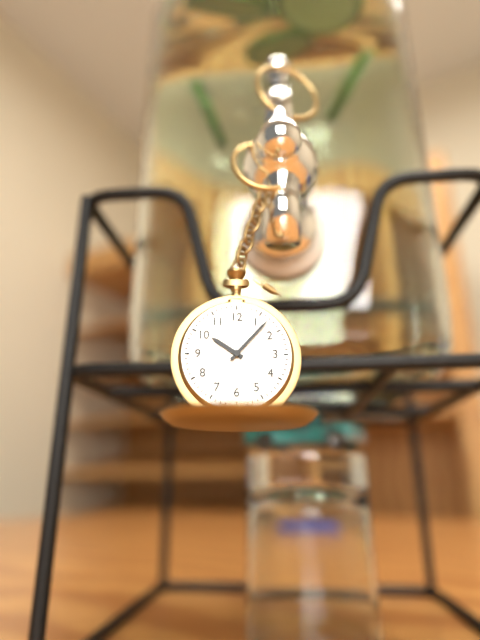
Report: {"hour": 10, "minute": 7}
